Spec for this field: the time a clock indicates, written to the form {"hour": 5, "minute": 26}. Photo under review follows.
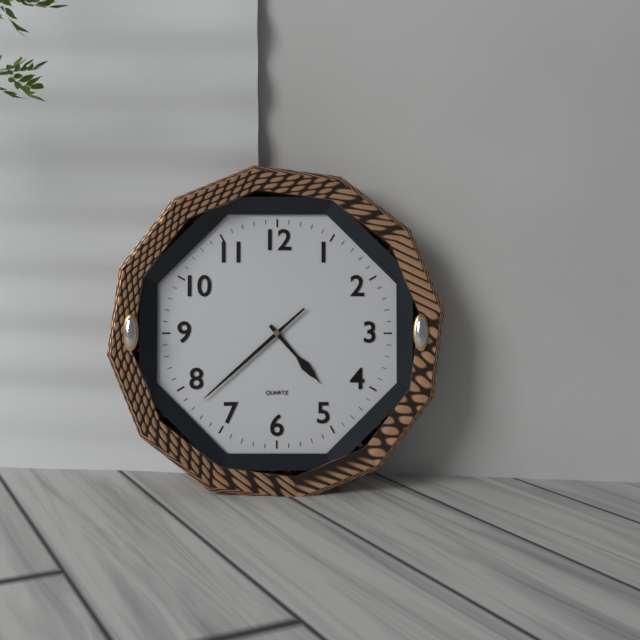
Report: {"hour": 4, "minute": 38}
